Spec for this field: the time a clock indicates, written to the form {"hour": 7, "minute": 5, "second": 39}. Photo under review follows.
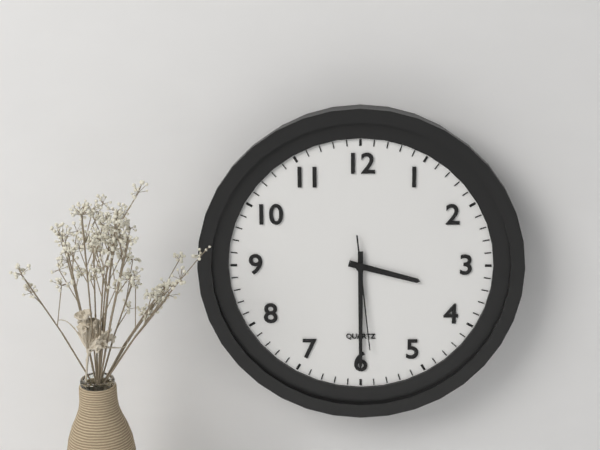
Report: {"hour": 3, "minute": 30, "second": 29}
